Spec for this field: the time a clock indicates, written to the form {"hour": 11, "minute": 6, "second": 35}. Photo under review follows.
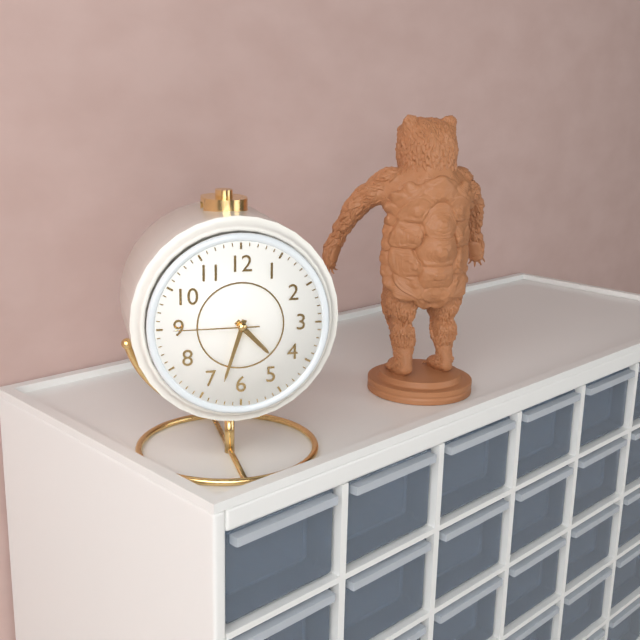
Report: {"hour": 4, "minute": 33, "second": 45}
